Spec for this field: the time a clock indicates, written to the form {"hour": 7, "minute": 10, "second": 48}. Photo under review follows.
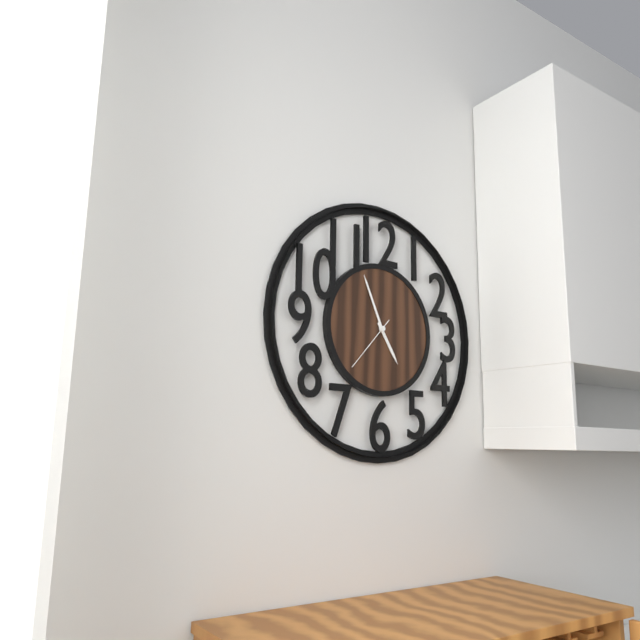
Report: {"hour": 4, "minute": 56, "second": 37}
